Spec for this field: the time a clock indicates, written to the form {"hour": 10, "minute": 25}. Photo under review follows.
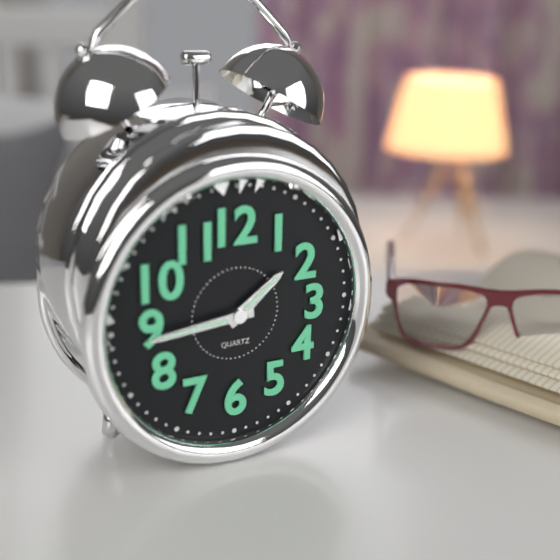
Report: {"hour": 1, "minute": 44}
